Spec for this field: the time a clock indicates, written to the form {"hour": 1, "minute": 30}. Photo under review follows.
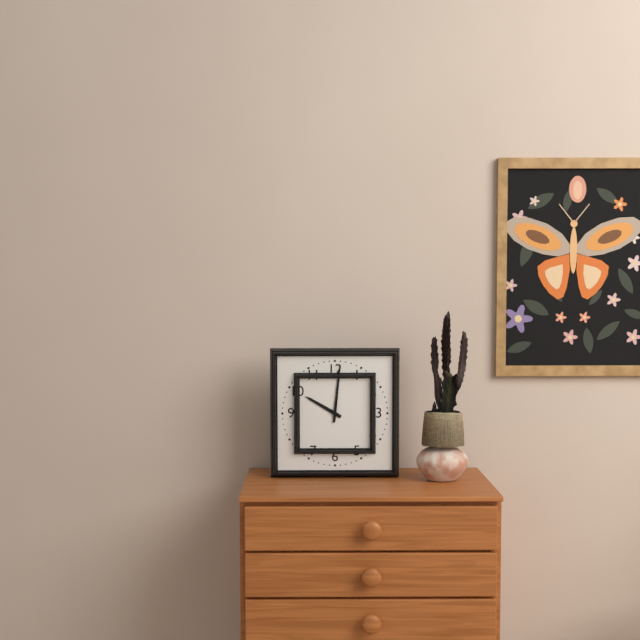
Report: {"hour": 10, "minute": 1}
